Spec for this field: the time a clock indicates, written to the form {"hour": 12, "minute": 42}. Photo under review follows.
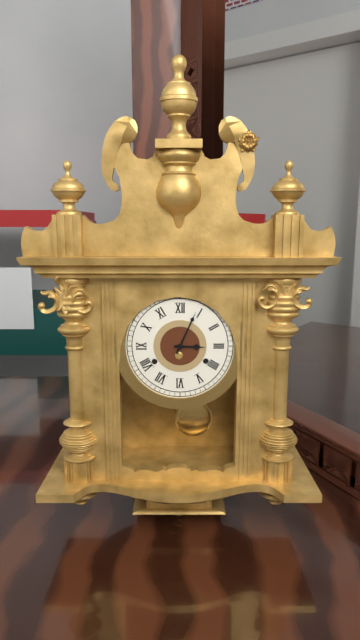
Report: {"hour": 3, "minute": 4}
